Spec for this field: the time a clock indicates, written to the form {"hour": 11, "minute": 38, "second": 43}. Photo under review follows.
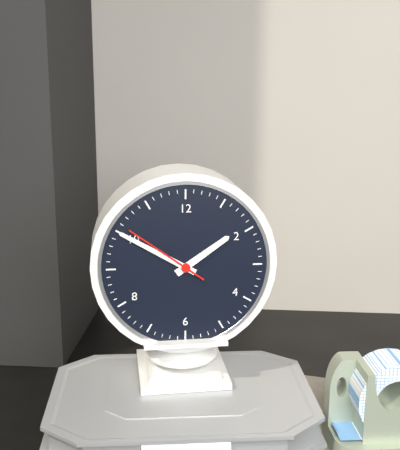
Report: {"hour": 1, "minute": 50, "second": 51}
